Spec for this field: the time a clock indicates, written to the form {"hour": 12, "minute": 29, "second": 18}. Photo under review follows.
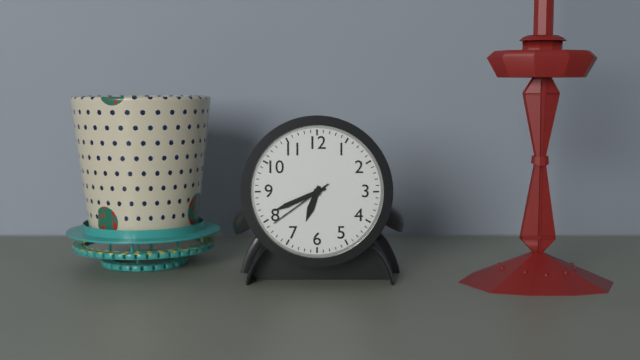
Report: {"hour": 6, "minute": 41, "second": 39}
